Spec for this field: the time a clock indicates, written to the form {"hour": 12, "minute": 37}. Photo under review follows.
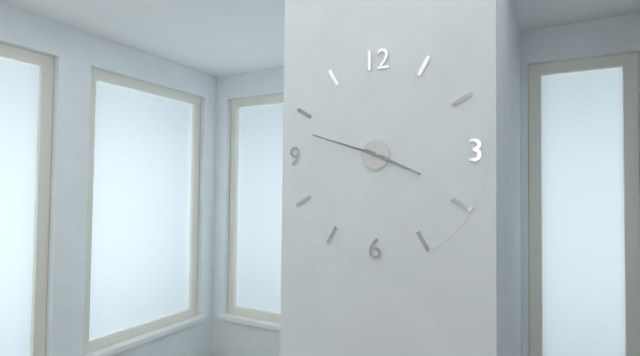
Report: {"hour": 3, "minute": 48}
